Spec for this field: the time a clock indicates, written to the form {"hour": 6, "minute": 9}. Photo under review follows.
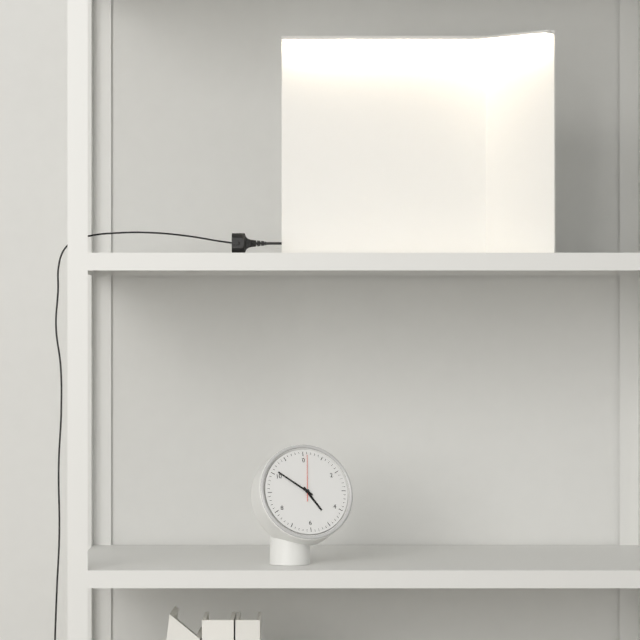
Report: {"hour": 4, "minute": 51}
